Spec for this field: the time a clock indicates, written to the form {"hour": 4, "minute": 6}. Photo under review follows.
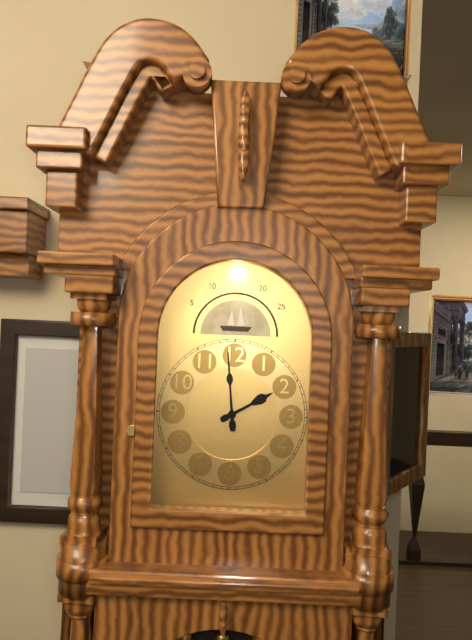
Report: {"hour": 1, "minute": 59}
